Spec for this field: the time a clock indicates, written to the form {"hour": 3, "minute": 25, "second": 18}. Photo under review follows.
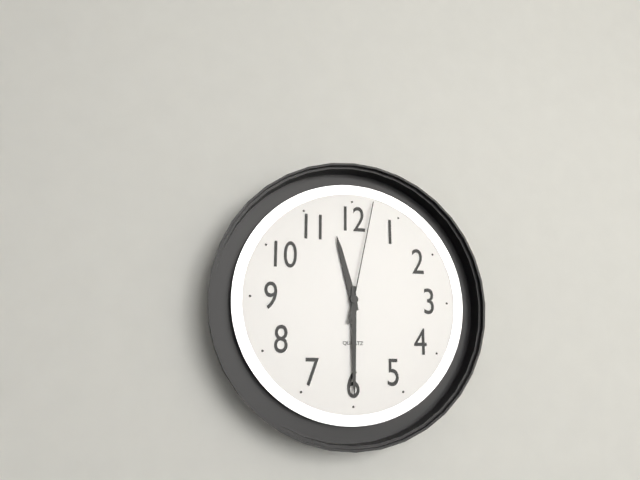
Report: {"hour": 11, "minute": 30, "second": 2}
